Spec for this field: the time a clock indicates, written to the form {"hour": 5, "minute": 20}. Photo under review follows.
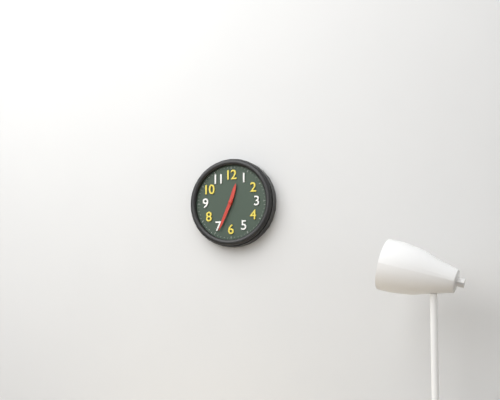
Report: {"hour": 12, "minute": 34}
